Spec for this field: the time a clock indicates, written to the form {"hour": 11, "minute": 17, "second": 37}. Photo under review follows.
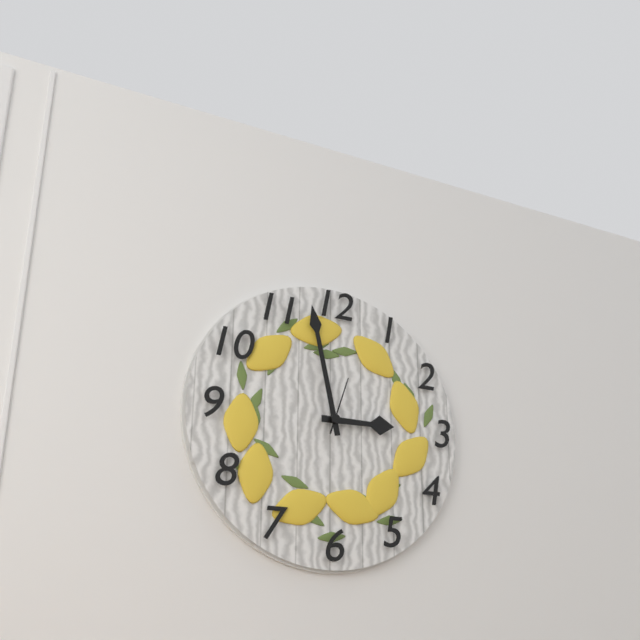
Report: {"hour": 2, "minute": 58, "second": 3}
